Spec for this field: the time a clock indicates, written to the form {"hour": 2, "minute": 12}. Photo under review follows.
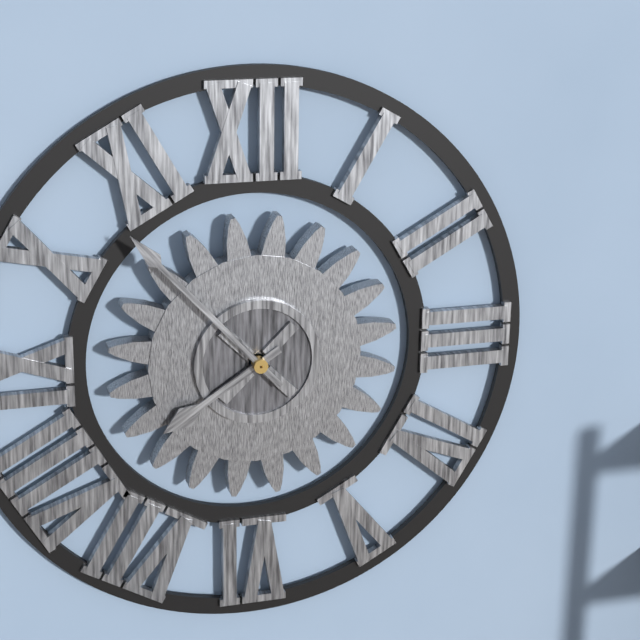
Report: {"hour": 7, "minute": 53}
